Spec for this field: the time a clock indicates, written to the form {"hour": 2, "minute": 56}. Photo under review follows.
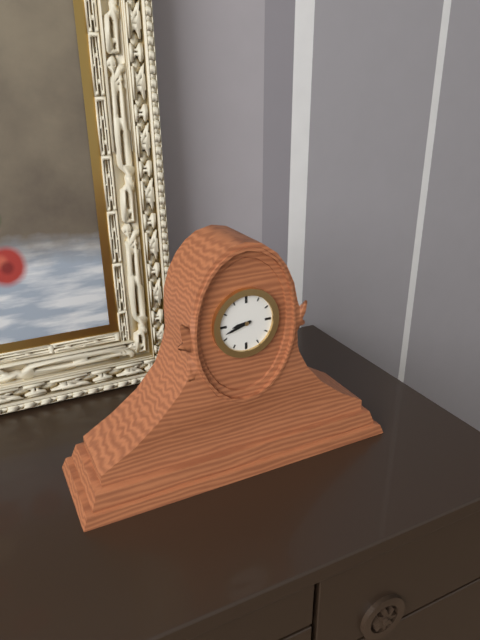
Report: {"hour": 8, "minute": 42}
